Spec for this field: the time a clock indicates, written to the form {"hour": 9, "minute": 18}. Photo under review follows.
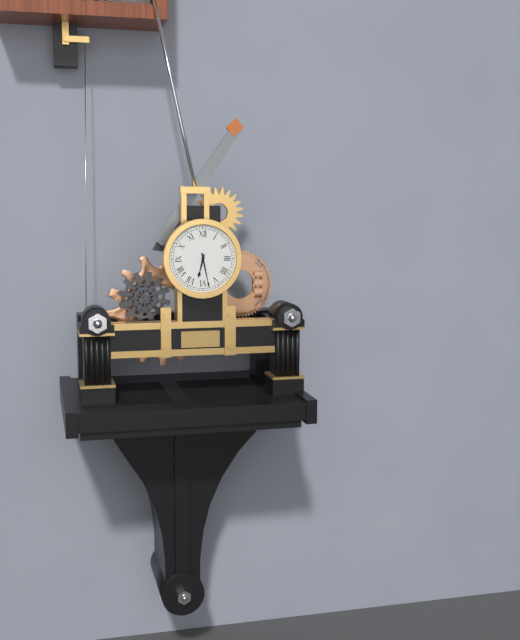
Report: {"hour": 6, "minute": 28}
